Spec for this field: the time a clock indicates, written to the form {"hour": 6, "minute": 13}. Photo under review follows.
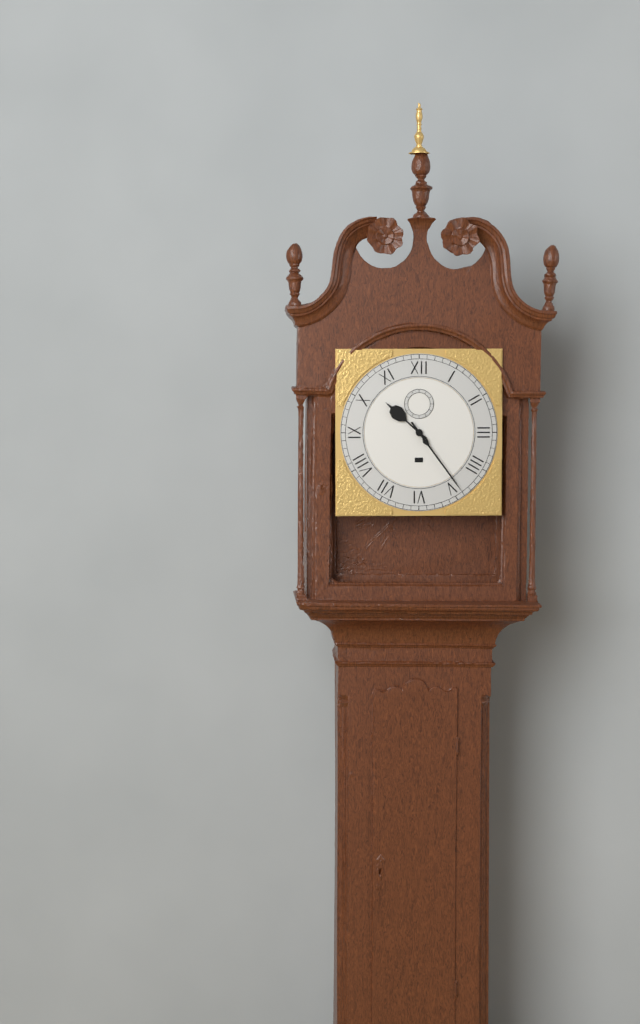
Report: {"hour": 10, "minute": 24}
